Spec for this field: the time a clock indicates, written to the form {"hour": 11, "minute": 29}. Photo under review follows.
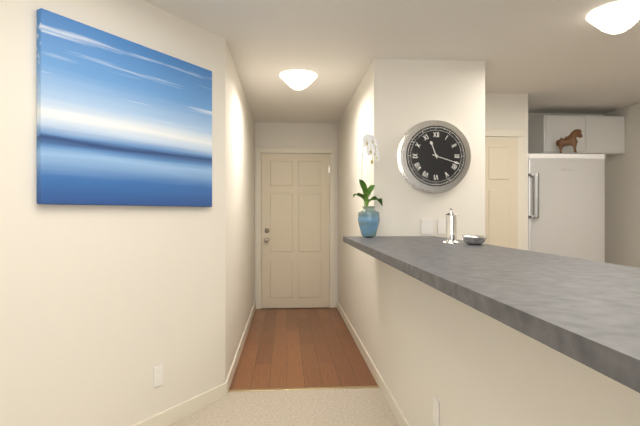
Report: {"hour": 11, "minute": 18}
